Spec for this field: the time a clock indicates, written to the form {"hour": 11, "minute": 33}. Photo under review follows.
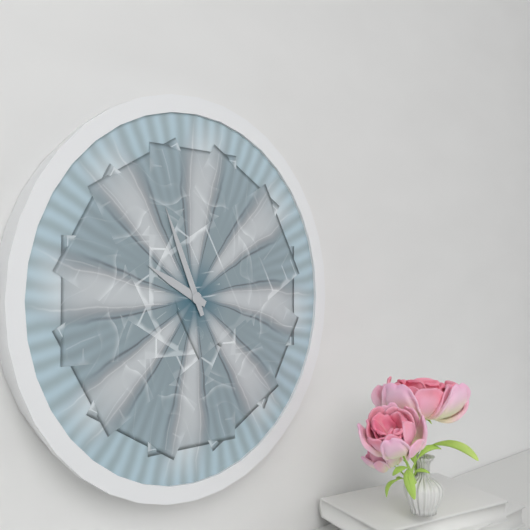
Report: {"hour": 9, "minute": 56}
